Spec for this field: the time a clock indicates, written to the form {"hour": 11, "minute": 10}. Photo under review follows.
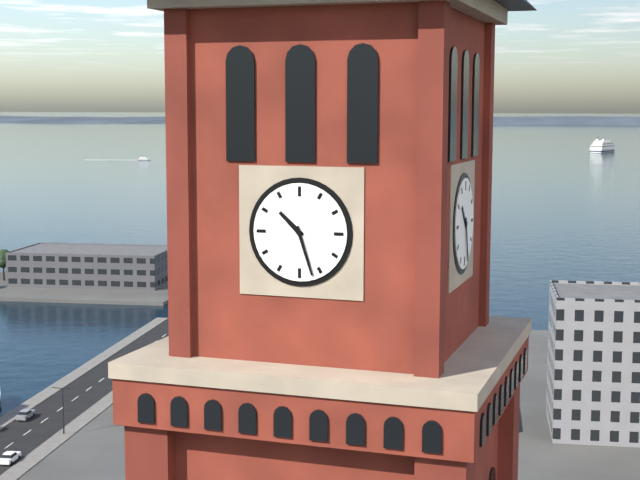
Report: {"hour": 10, "minute": 27}
